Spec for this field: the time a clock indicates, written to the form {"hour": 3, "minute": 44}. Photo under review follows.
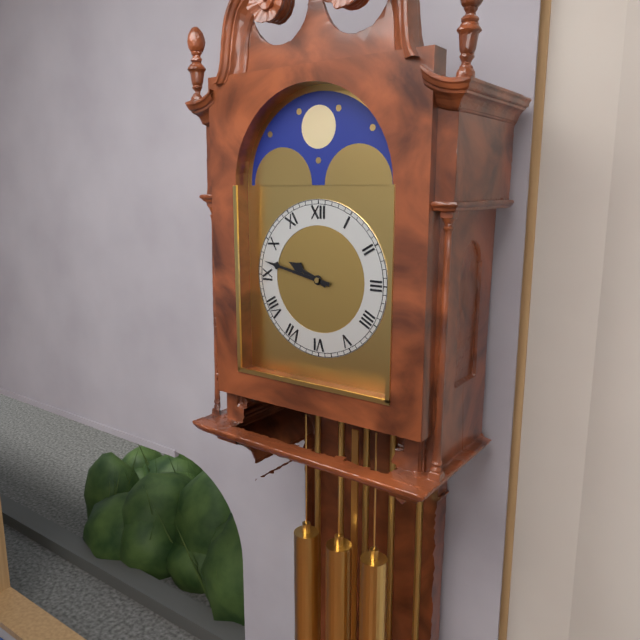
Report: {"hour": 9, "minute": 47}
